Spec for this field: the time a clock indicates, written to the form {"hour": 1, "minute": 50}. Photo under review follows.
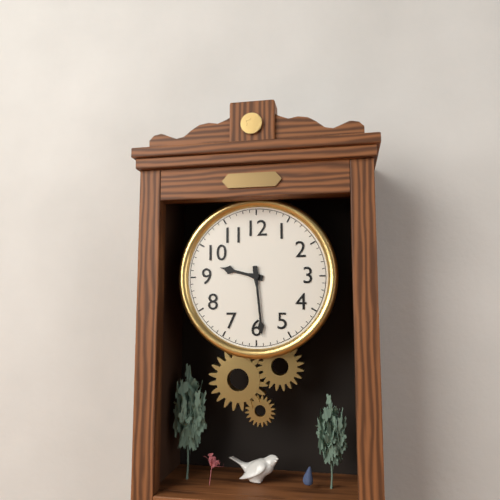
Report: {"hour": 9, "minute": 29}
